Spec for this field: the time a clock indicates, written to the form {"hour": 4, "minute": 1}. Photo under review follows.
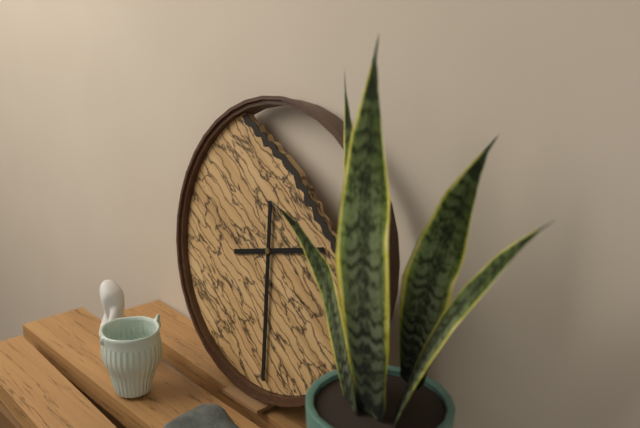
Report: {"hour": 2, "minute": 29}
